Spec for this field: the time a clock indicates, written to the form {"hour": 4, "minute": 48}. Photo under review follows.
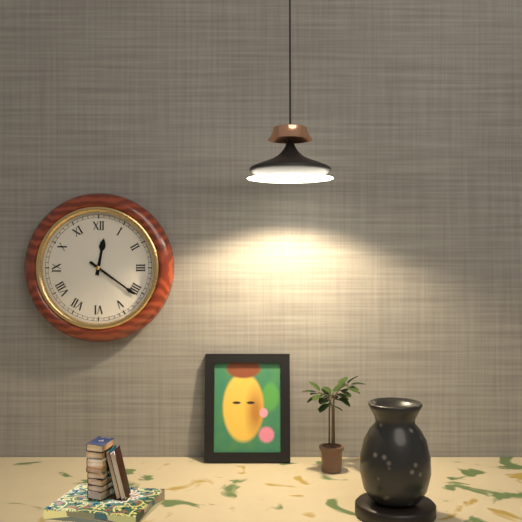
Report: {"hour": 12, "minute": 21}
